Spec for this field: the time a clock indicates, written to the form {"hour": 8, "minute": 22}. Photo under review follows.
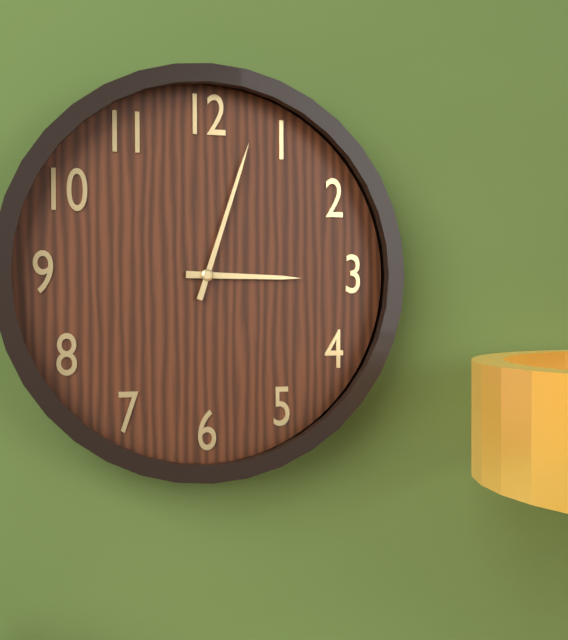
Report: {"hour": 3, "minute": 3}
